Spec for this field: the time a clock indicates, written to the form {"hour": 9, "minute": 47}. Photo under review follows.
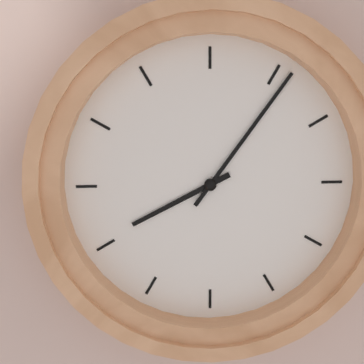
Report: {"hour": 8, "minute": 6}
